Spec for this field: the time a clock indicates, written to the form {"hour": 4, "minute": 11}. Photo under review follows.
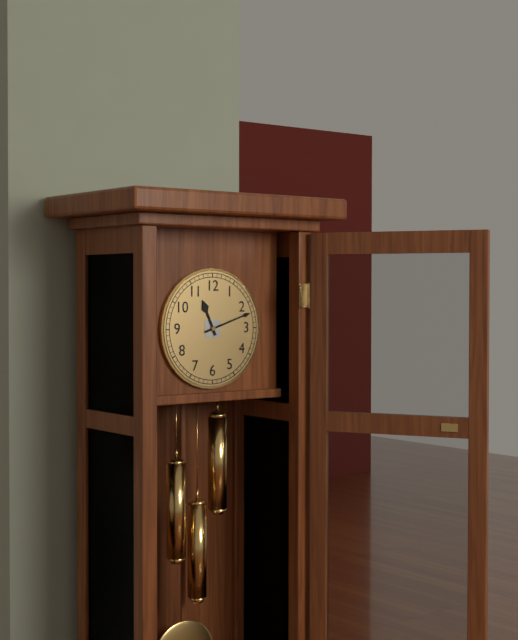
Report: {"hour": 11, "minute": 12}
